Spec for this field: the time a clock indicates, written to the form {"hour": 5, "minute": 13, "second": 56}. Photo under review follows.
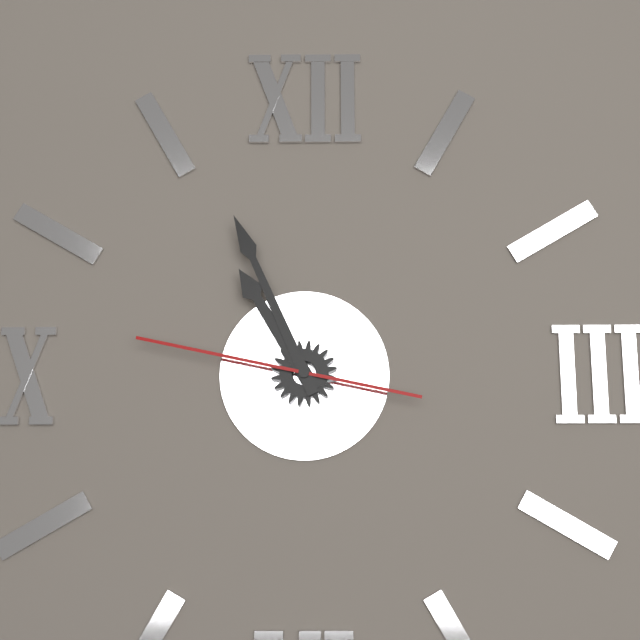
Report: {"hour": 10, "minute": 56, "second": 47}
